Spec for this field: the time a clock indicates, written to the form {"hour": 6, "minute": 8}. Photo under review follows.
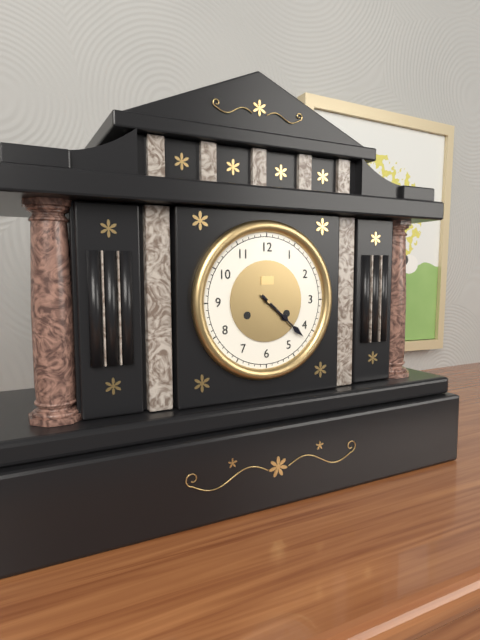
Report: {"hour": 4, "minute": 22}
